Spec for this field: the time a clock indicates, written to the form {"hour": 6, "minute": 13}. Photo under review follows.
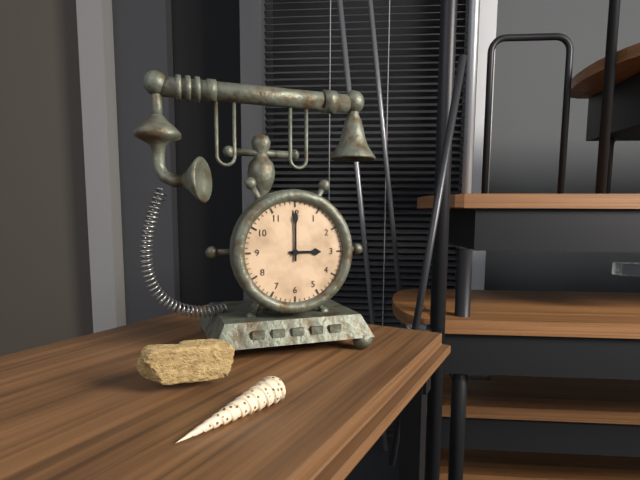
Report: {"hour": 3, "minute": 0}
